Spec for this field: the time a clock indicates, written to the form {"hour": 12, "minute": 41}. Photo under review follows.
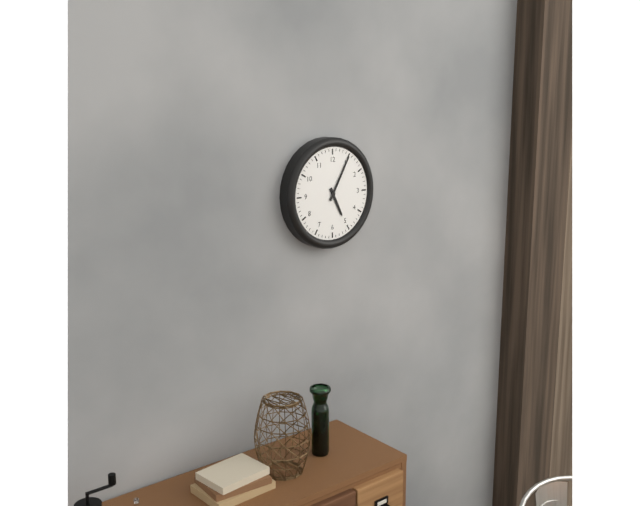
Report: {"hour": 5, "minute": 5}
